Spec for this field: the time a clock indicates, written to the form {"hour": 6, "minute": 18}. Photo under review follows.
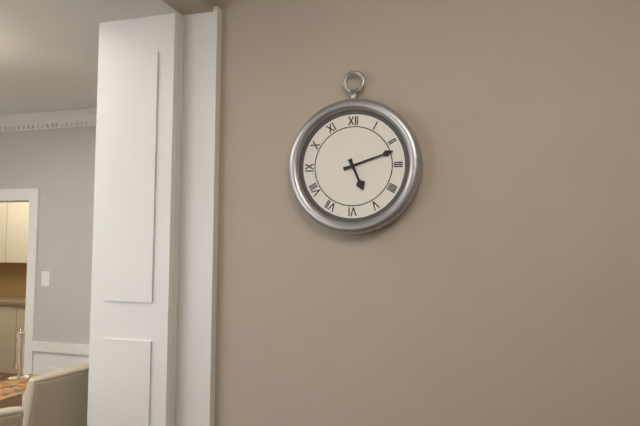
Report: {"hour": 5, "minute": 12}
